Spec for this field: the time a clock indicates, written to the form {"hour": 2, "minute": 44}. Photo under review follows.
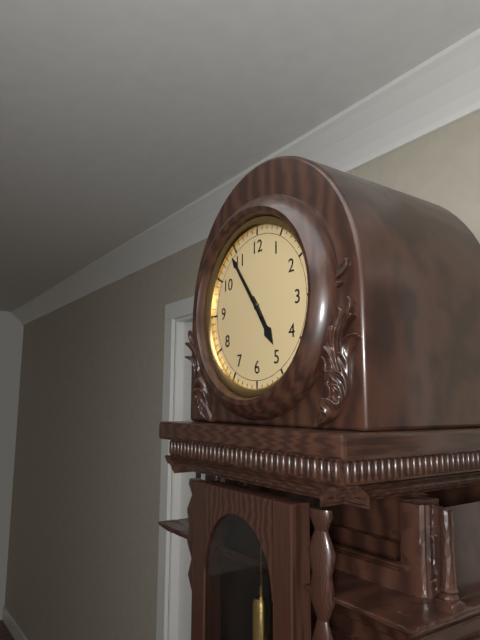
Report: {"hour": 4, "minute": 54}
